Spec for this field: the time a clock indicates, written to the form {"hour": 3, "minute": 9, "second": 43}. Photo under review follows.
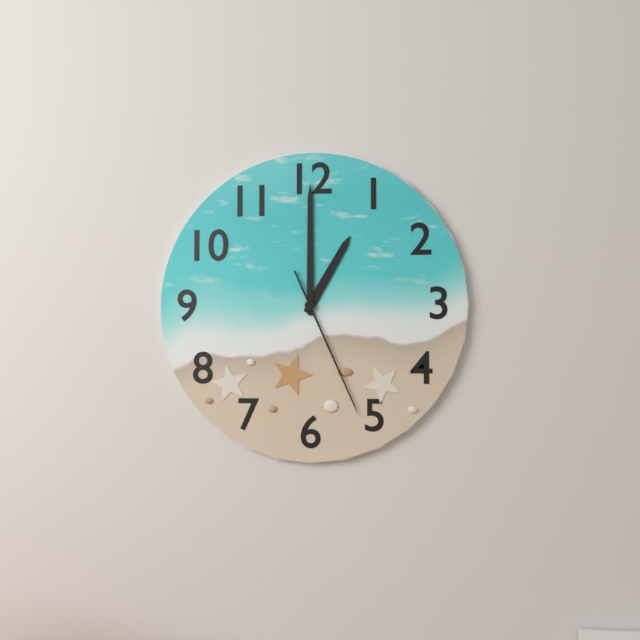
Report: {"hour": 1, "minute": 0, "second": 26}
